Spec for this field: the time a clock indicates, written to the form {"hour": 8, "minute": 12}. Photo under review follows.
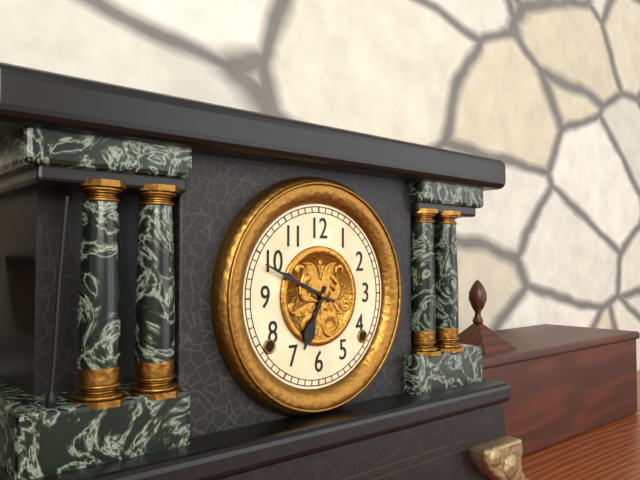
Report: {"hour": 6, "minute": 49}
